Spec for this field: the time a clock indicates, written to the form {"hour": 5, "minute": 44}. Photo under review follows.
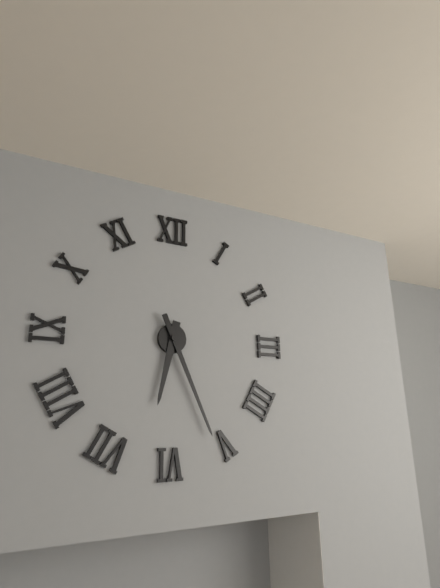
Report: {"hour": 6, "minute": 26}
